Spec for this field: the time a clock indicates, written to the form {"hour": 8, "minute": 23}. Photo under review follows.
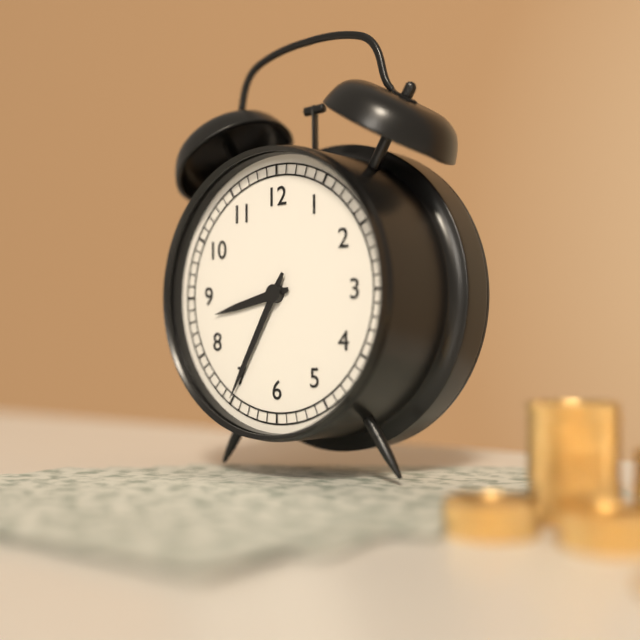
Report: {"hour": 8, "minute": 35}
